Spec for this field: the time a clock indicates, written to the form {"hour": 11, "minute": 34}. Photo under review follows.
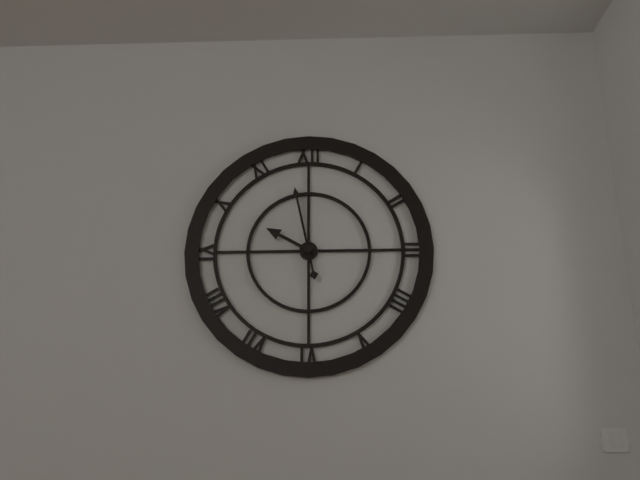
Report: {"hour": 9, "minute": 58}
